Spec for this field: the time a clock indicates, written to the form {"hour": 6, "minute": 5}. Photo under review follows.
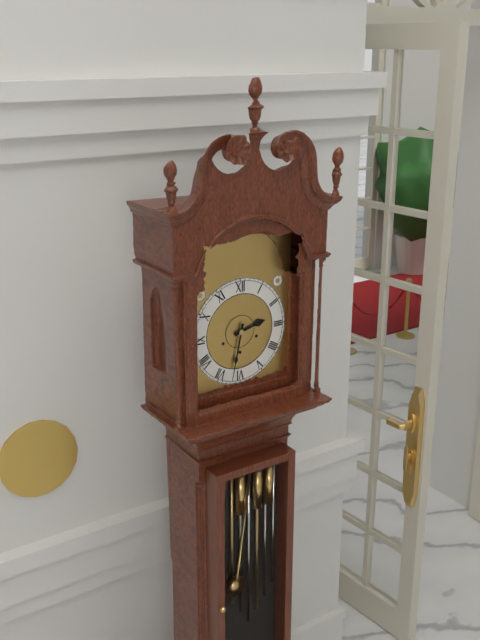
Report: {"hour": 2, "minute": 32}
